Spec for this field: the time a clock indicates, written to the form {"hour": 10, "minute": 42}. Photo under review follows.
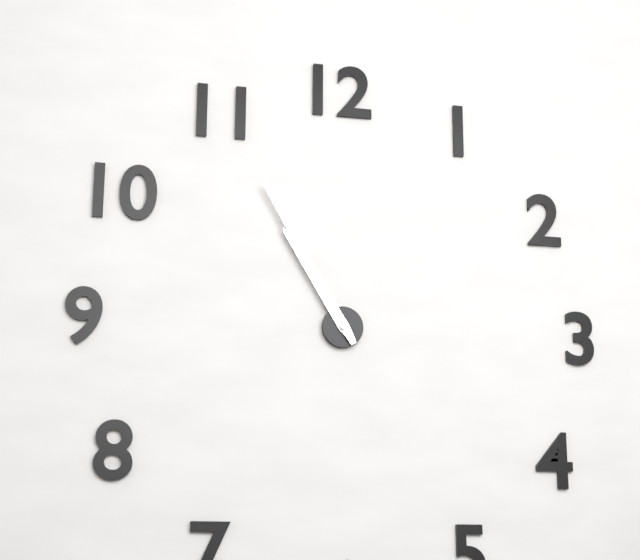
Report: {"hour": 10, "minute": 55}
